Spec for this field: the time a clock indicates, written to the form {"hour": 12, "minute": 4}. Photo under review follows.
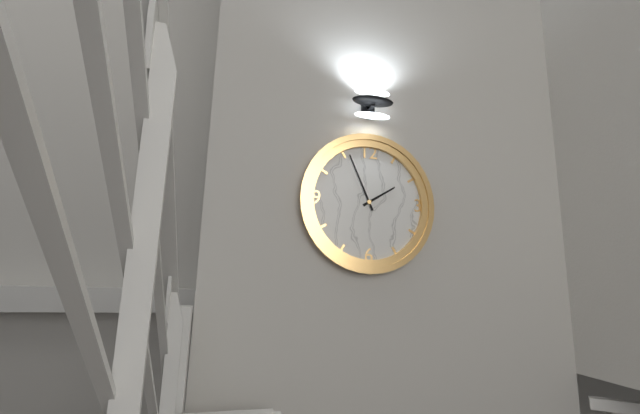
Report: {"hour": 1, "minute": 56}
